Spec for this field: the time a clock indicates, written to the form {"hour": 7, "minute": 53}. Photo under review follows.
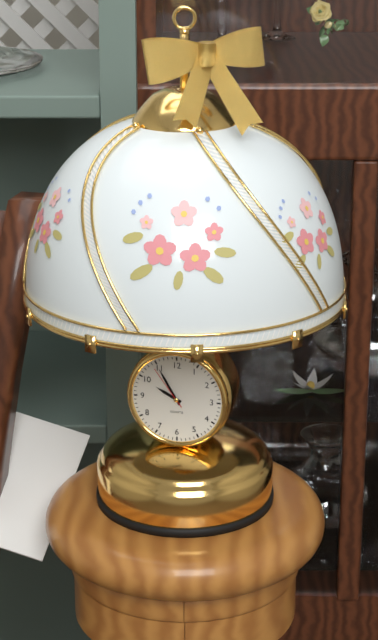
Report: {"hour": 9, "minute": 55}
